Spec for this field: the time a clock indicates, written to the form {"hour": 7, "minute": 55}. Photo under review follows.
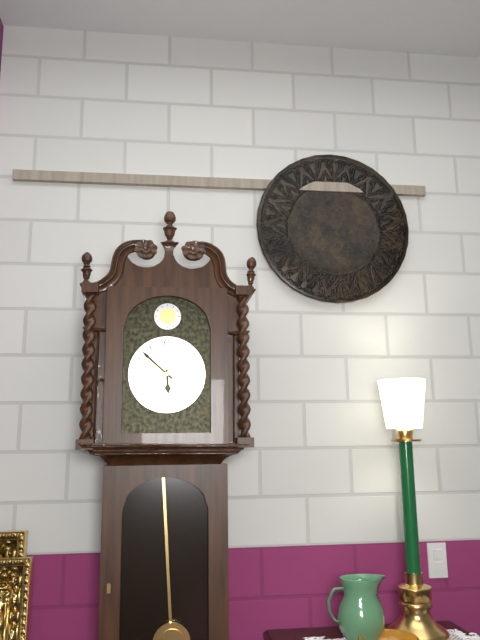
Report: {"hour": 5, "minute": 52}
